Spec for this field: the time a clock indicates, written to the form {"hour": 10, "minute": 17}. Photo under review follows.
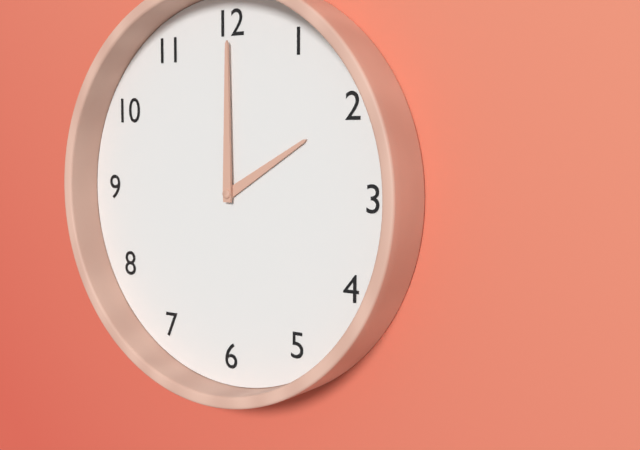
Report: {"hour": 2, "minute": 0}
